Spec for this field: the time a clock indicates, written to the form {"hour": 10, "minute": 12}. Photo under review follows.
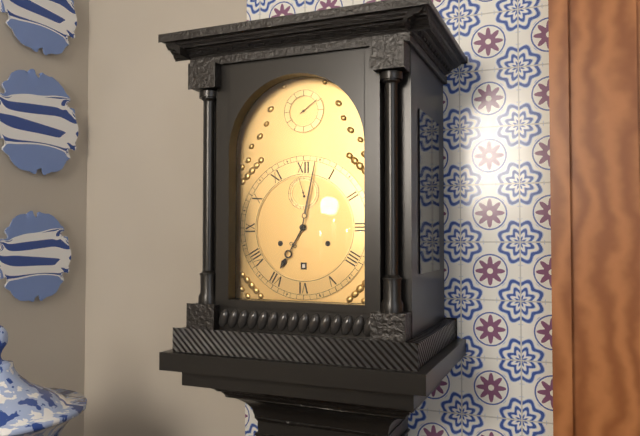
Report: {"hour": 7, "minute": 2}
